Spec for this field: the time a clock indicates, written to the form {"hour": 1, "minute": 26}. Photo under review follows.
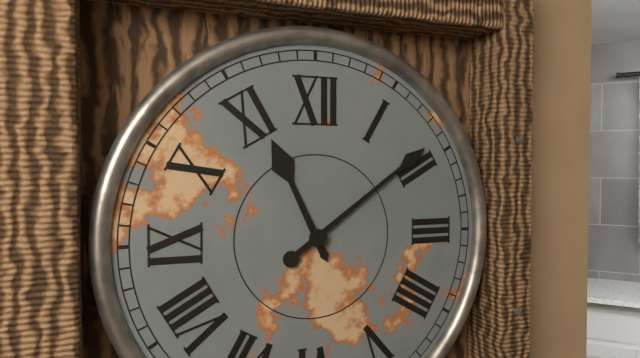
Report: {"hour": 11, "minute": 9}
